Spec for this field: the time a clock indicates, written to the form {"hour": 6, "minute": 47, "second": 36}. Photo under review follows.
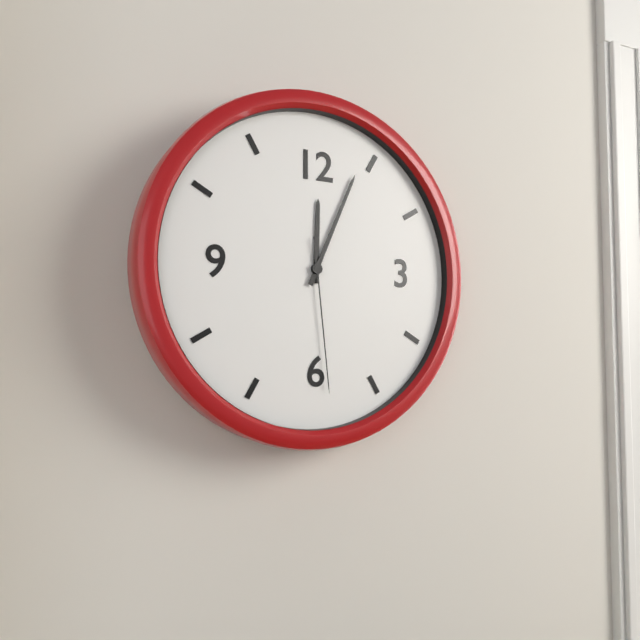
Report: {"hour": 12, "minute": 4, "second": 29}
